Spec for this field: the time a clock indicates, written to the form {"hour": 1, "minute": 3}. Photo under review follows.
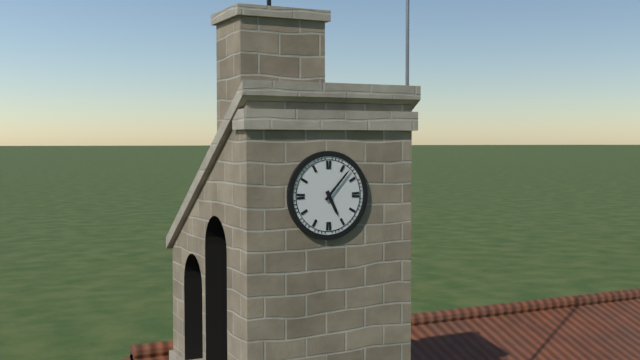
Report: {"hour": 5, "minute": 7}
